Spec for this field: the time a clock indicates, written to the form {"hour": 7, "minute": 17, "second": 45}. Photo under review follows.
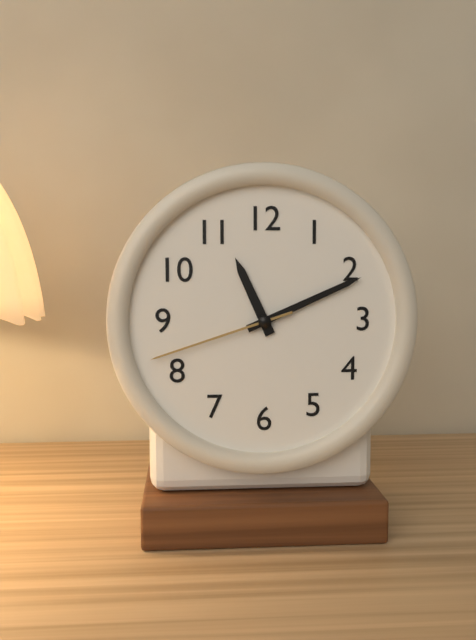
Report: {"hour": 11, "minute": 11, "second": 42}
